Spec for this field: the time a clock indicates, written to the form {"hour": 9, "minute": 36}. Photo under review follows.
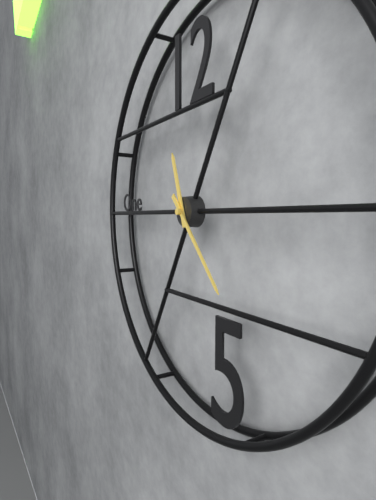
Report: {"hour": 11, "minute": 23}
